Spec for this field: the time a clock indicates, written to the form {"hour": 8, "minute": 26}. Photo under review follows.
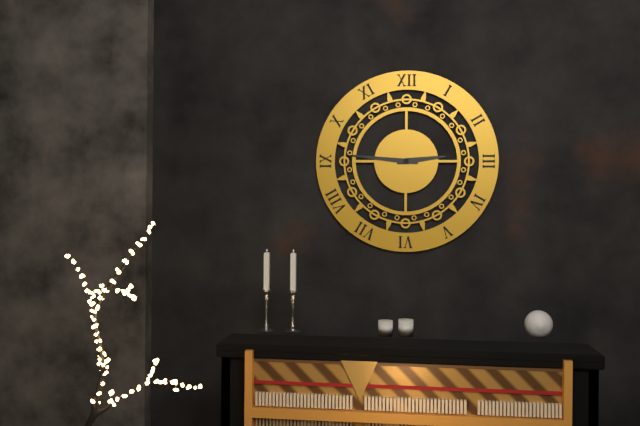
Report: {"hour": 2, "minute": 46}
